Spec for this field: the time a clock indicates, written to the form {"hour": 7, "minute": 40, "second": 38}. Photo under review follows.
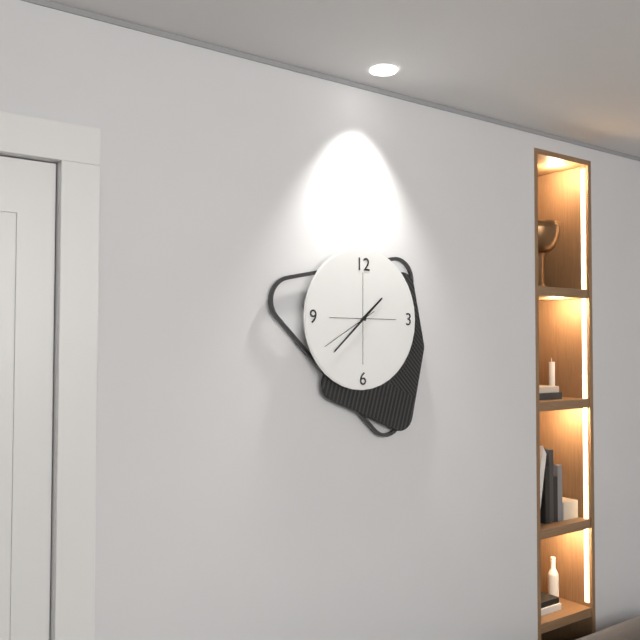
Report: {"hour": 1, "minute": 38, "second": 40}
